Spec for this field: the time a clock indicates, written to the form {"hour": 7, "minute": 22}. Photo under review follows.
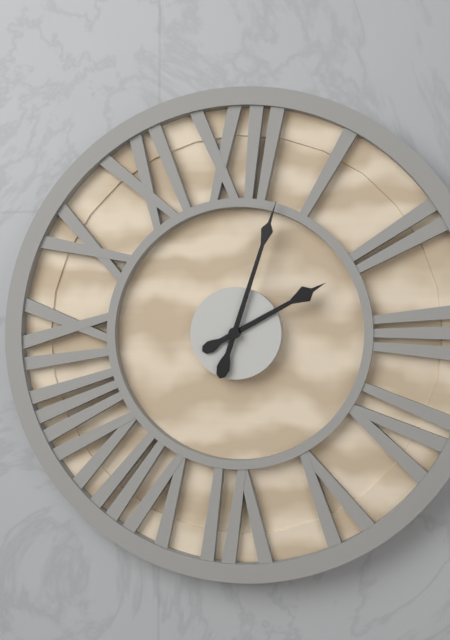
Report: {"hour": 2, "minute": 3}
